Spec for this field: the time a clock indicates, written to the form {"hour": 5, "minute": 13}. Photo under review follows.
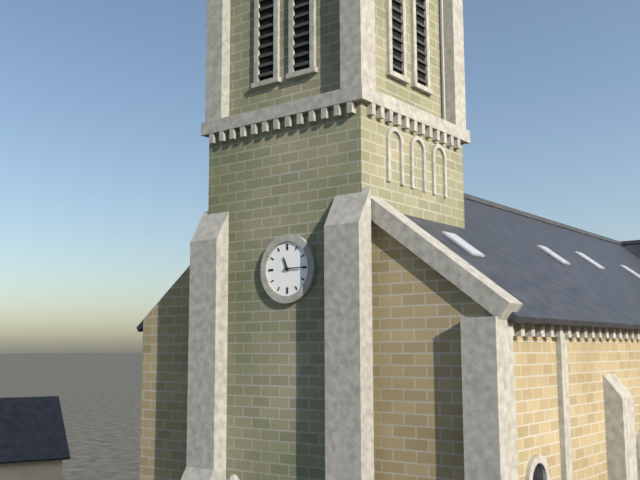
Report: {"hour": 11, "minute": 15}
